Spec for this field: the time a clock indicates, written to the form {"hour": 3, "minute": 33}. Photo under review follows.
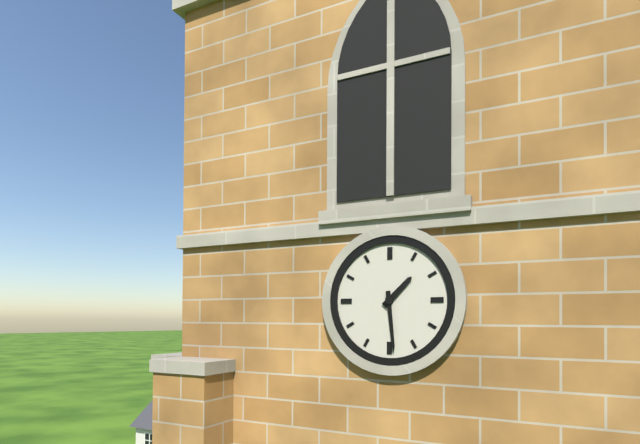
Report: {"hour": 1, "minute": 29}
